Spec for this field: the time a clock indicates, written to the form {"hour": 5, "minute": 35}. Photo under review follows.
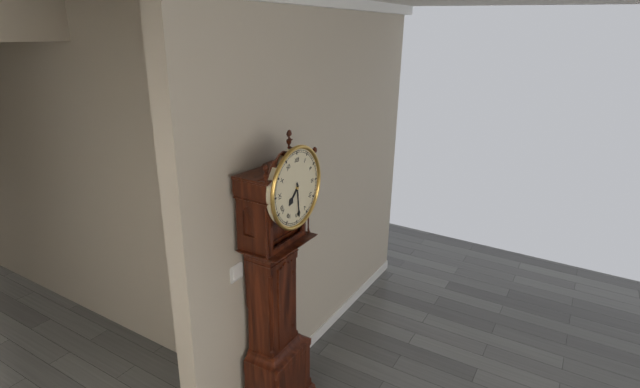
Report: {"hour": 7, "minute": 29}
